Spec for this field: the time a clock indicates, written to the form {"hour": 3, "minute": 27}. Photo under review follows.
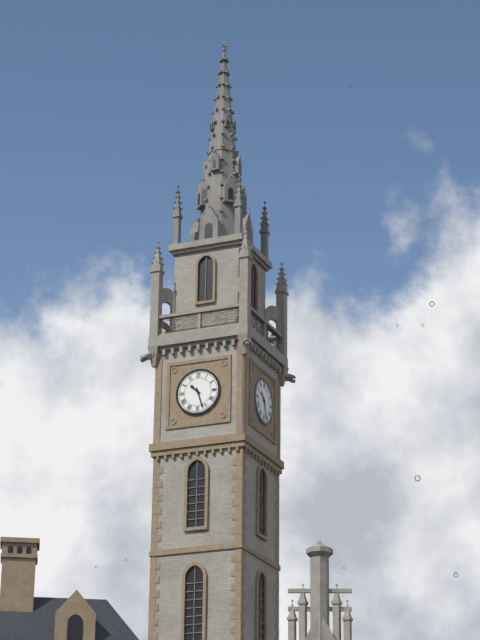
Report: {"hour": 10, "minute": 27}
